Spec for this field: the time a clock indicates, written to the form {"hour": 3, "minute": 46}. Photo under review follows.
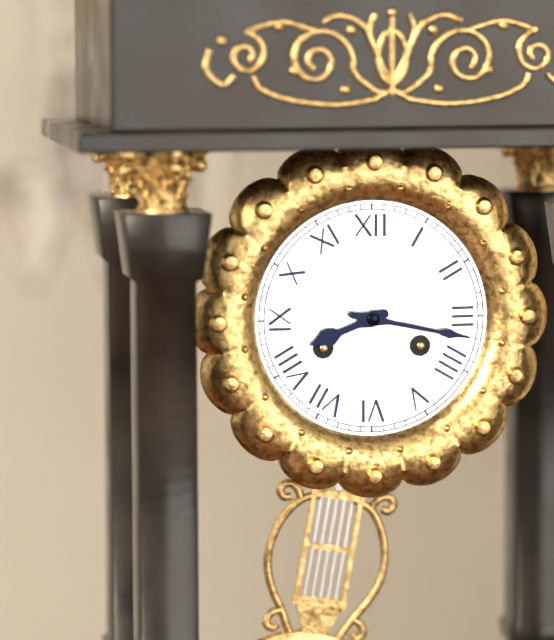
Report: {"hour": 8, "minute": 17}
